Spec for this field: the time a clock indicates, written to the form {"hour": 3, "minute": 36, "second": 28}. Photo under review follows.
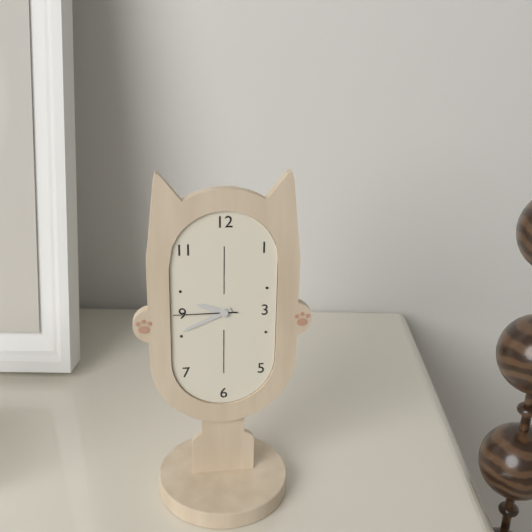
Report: {"hour": 9, "minute": 41, "second": 45}
